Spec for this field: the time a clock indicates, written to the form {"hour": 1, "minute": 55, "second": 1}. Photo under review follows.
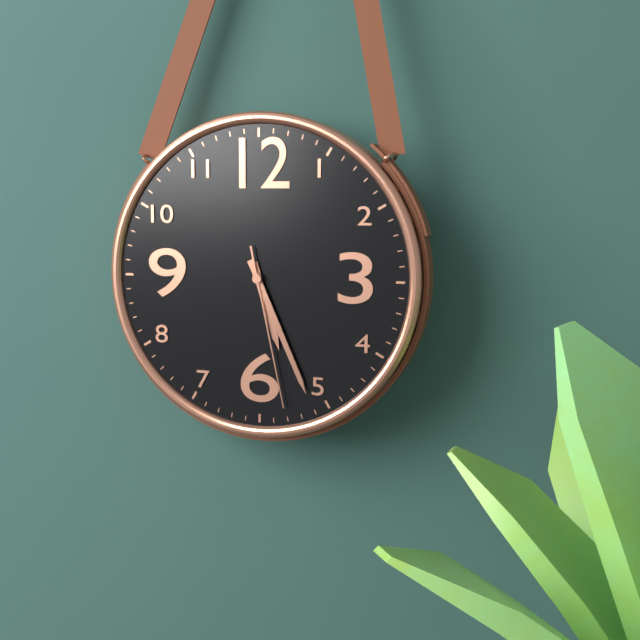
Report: {"hour": 5, "minute": 26, "second": 28}
